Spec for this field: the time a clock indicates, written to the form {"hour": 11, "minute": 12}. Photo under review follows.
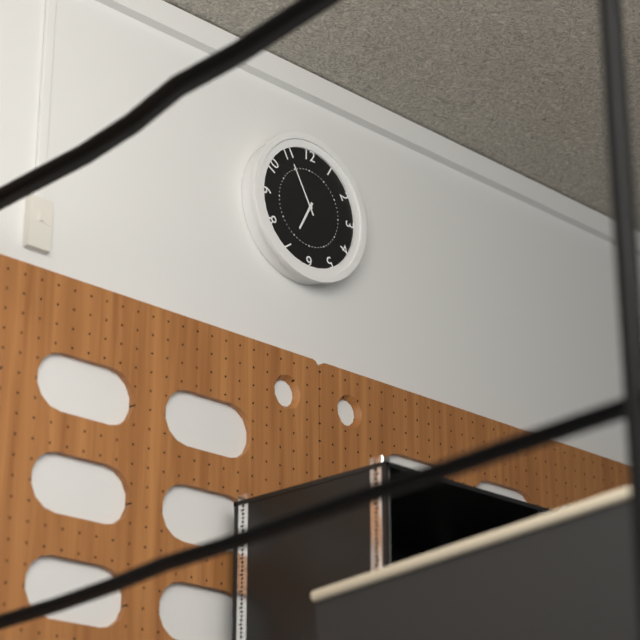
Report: {"hour": 6, "minute": 55}
